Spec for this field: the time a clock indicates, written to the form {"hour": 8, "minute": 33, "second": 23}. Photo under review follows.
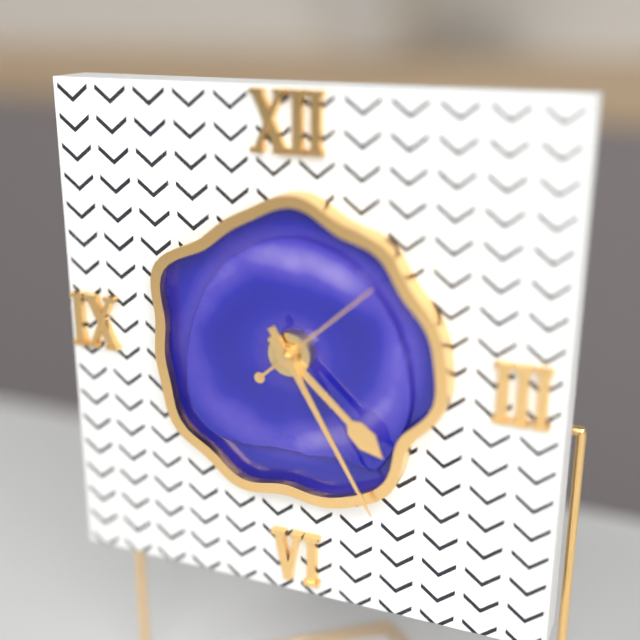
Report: {"hour": 4, "minute": 25, "second": 8}
